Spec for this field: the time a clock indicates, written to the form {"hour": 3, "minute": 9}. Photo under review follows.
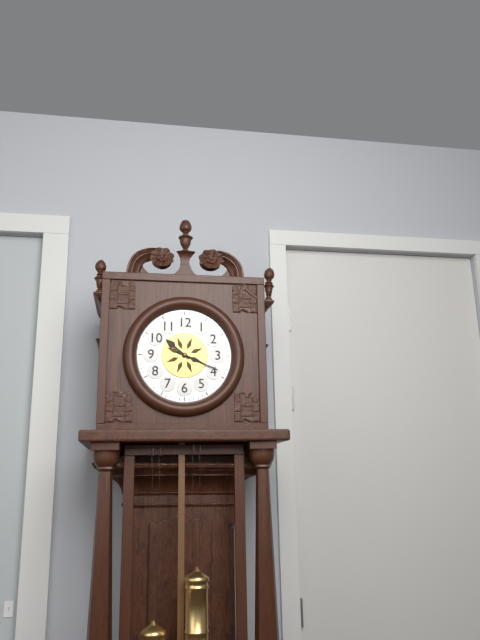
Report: {"hour": 10, "minute": 19}
